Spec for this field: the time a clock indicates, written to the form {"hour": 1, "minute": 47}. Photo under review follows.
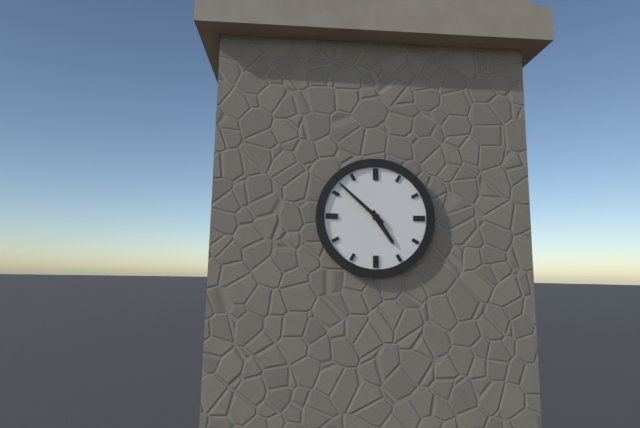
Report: {"hour": 4, "minute": 52}
